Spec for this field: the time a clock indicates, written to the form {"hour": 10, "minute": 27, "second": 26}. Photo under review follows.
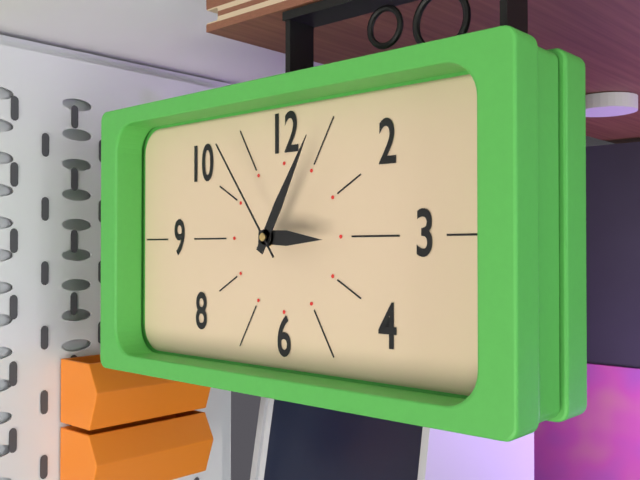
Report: {"hour": 3, "minute": 5, "second": 54}
